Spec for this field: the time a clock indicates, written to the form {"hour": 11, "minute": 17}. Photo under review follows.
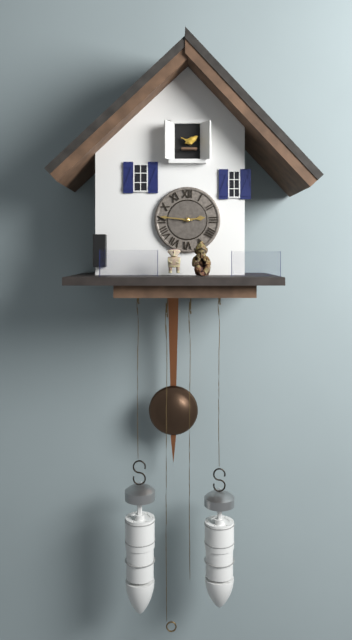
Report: {"hour": 2, "minute": 46}
